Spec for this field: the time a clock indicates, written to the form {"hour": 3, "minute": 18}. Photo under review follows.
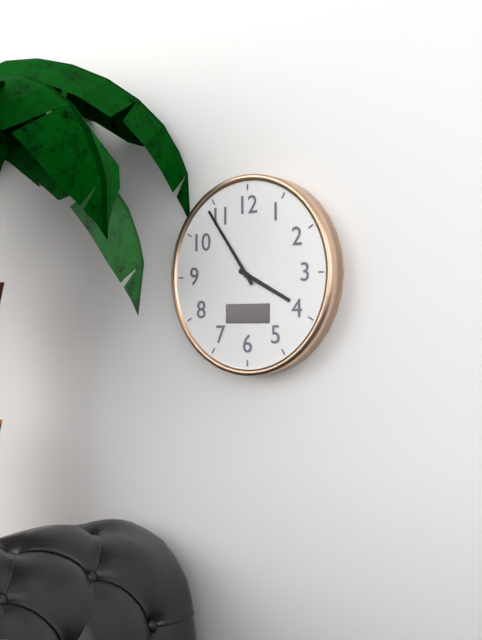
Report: {"hour": 3, "minute": 54}
